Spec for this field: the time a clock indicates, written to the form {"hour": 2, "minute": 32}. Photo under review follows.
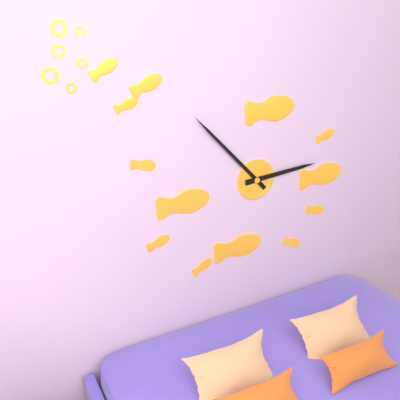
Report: {"hour": 2, "minute": 53}
